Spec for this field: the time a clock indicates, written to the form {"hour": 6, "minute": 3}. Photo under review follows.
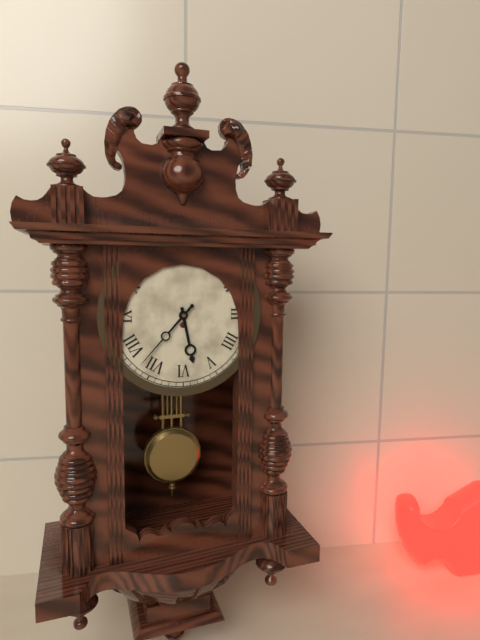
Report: {"hour": 5, "minute": 37}
